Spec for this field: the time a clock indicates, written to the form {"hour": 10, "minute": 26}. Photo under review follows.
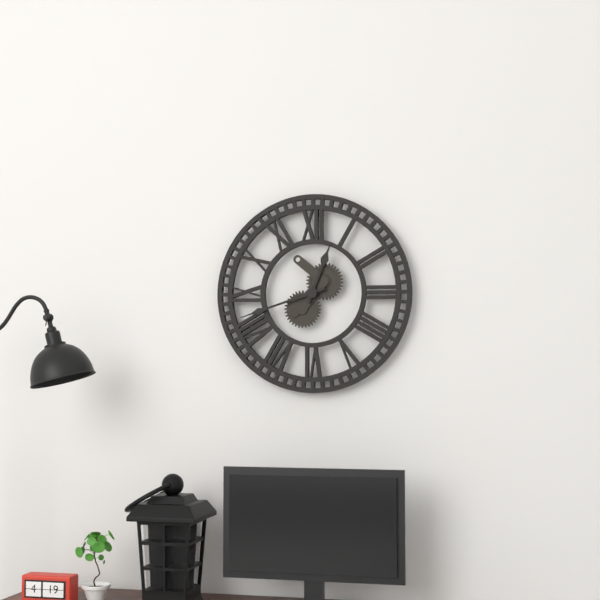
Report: {"hour": 12, "minute": 42}
